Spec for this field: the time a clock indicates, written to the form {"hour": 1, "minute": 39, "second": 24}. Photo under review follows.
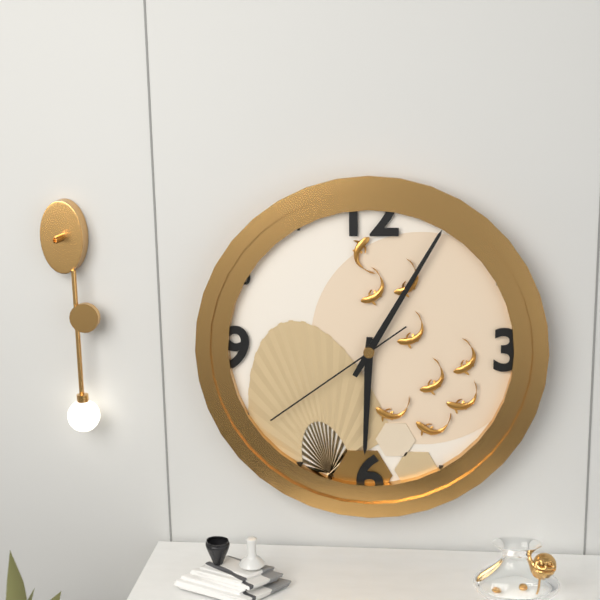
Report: {"hour": 6, "minute": 5, "second": 39}
